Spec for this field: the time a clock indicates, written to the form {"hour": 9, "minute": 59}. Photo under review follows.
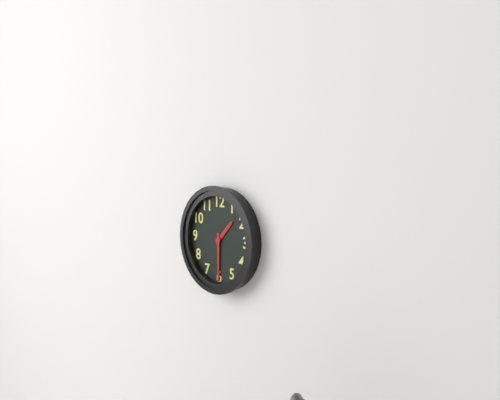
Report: {"hour": 1, "minute": 30}
